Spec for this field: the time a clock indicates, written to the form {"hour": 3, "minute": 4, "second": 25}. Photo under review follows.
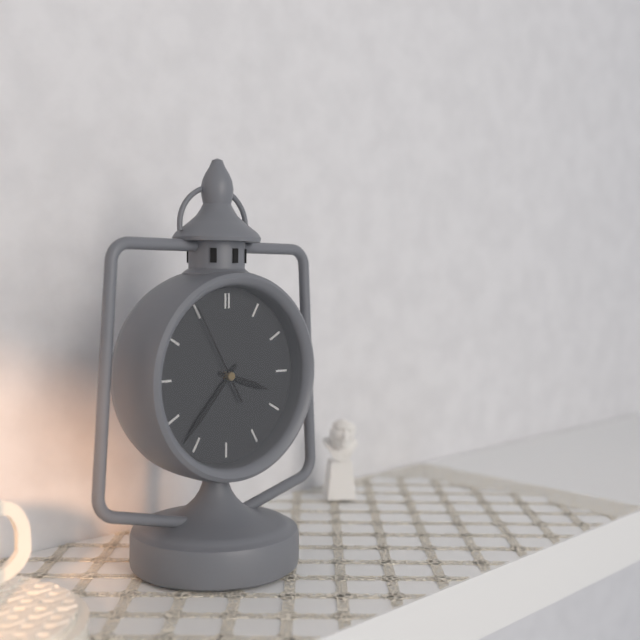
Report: {"hour": 3, "minute": 37, "second": 55}
